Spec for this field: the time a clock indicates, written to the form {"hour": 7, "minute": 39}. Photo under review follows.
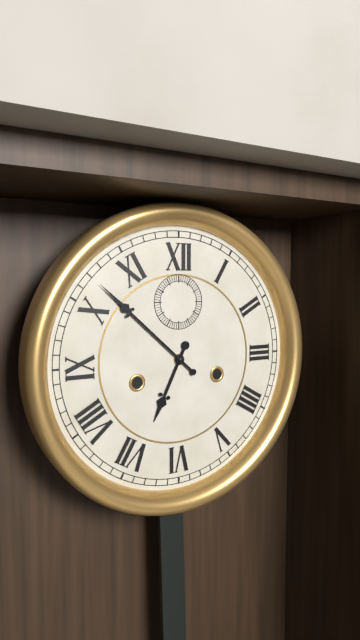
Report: {"hour": 6, "minute": 52}
